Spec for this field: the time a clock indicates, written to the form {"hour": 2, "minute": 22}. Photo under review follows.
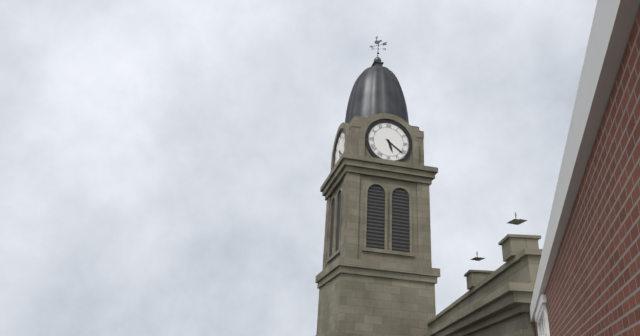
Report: {"hour": 5, "minute": 21}
